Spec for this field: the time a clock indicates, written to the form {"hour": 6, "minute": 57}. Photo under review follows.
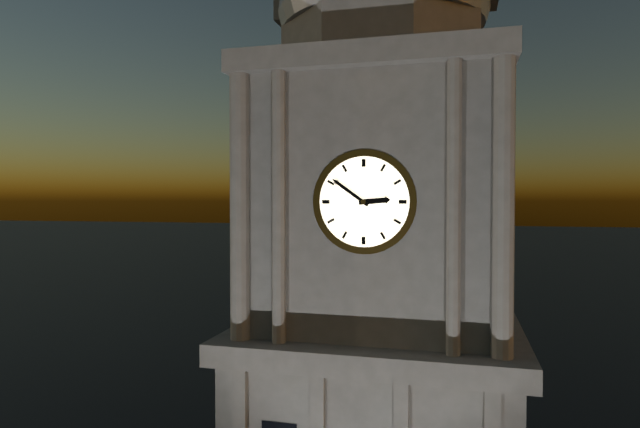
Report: {"hour": 2, "minute": 51}
